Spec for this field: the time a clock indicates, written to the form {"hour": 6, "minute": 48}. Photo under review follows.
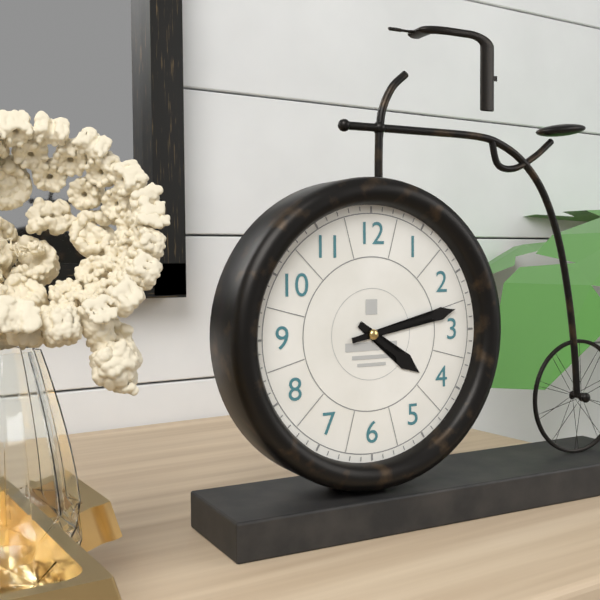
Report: {"hour": 4, "minute": 13}
